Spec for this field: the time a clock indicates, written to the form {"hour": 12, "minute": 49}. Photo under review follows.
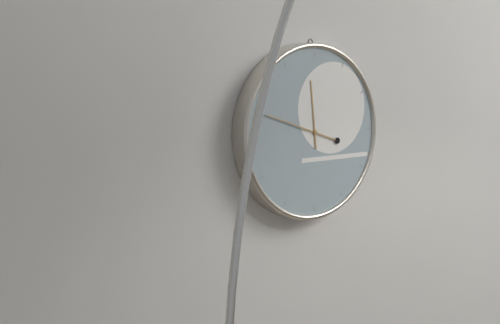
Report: {"hour": 11, "minute": 48}
